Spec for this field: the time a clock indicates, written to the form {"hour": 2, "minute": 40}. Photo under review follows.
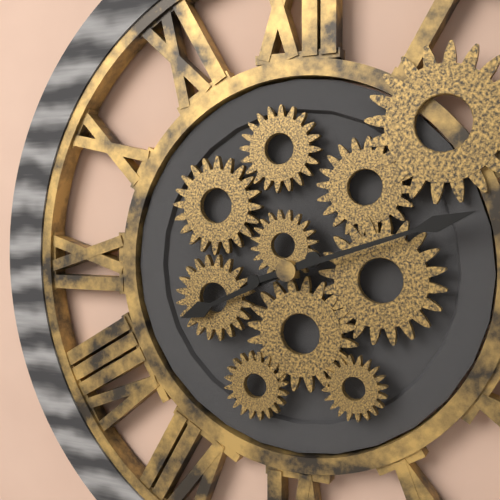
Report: {"hour": 8, "minute": 12}
